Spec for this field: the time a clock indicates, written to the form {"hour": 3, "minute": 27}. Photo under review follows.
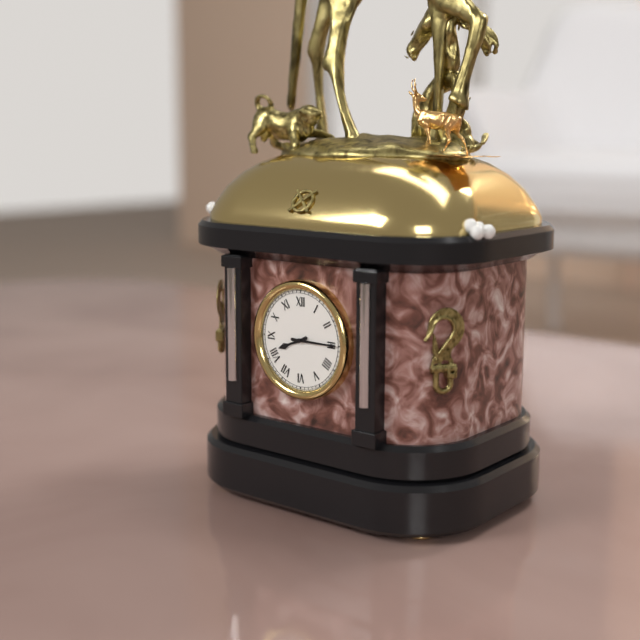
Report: {"hour": 8, "minute": 15}
